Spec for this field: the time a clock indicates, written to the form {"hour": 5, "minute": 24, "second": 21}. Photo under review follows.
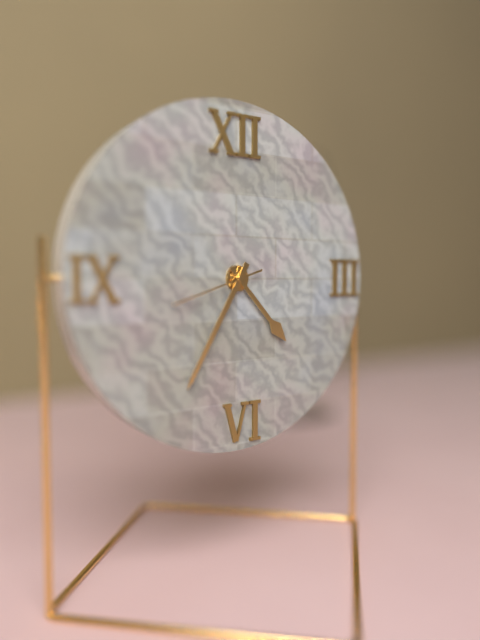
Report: {"hour": 4, "minute": 35, "second": 42}
